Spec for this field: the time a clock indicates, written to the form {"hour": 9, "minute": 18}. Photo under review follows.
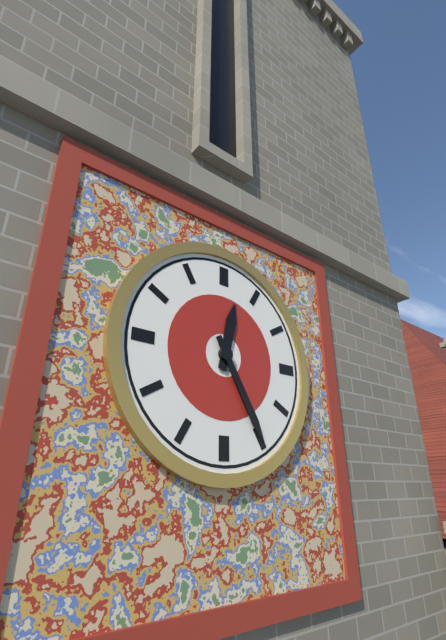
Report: {"hour": 12, "minute": 25}
